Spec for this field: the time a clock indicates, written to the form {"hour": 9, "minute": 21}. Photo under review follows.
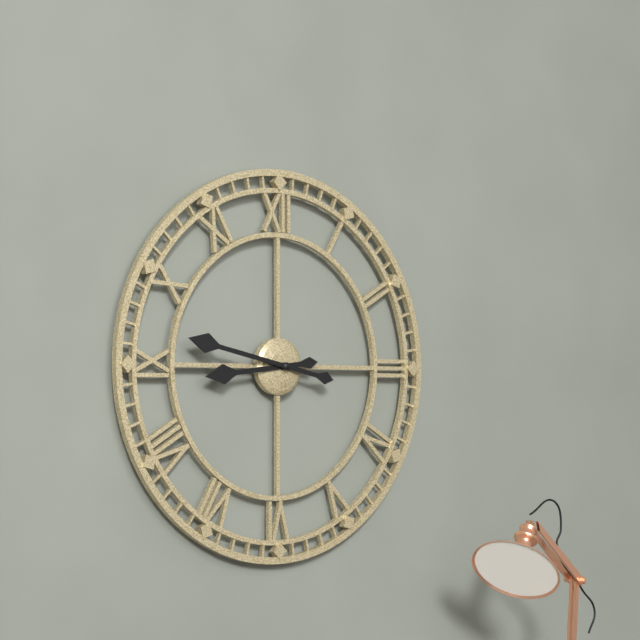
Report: {"hour": 8, "minute": 47}
